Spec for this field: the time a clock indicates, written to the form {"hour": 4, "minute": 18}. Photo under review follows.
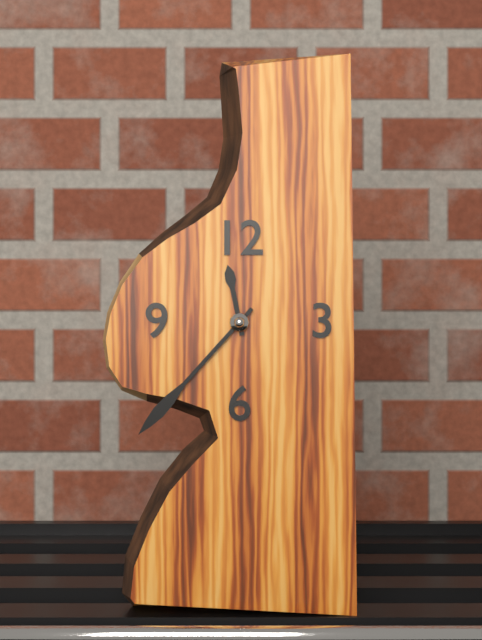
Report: {"hour": 11, "minute": 37}
